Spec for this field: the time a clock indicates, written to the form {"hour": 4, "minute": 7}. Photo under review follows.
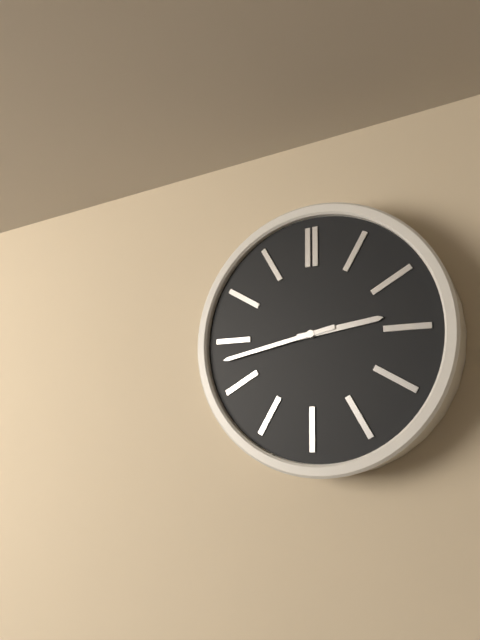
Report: {"hour": 2, "minute": 43}
